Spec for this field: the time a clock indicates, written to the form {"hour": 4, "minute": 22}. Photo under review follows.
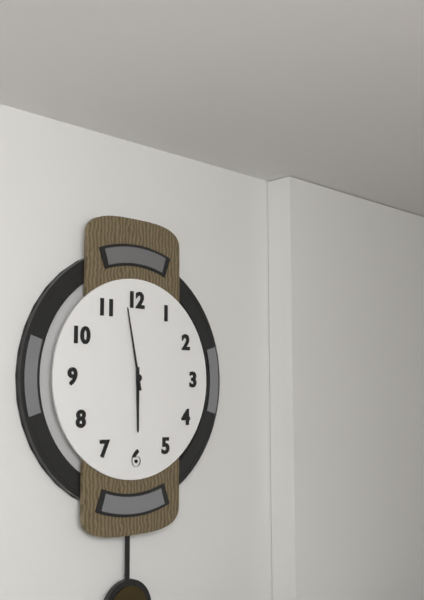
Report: {"hour": 5, "minute": 58}
